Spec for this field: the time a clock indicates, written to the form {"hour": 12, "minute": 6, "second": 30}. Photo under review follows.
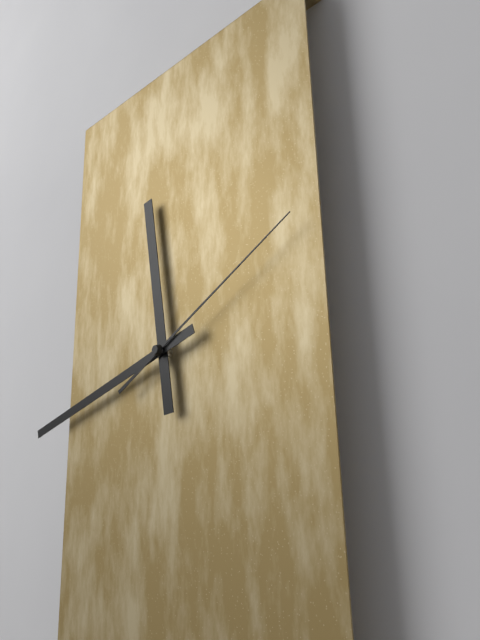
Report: {"hour": 11, "minute": 42, "second": 10}
